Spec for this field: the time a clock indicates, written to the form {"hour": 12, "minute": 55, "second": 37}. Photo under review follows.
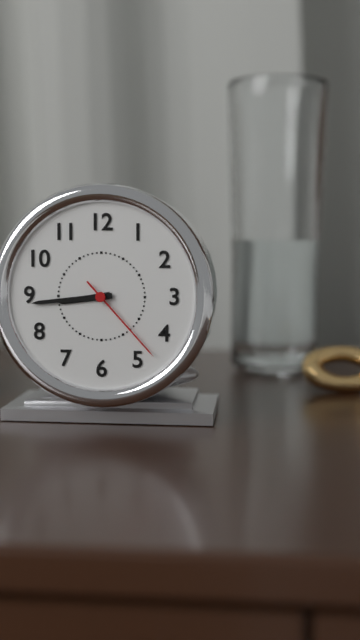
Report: {"hour": 8, "minute": 44, "second": 23}
